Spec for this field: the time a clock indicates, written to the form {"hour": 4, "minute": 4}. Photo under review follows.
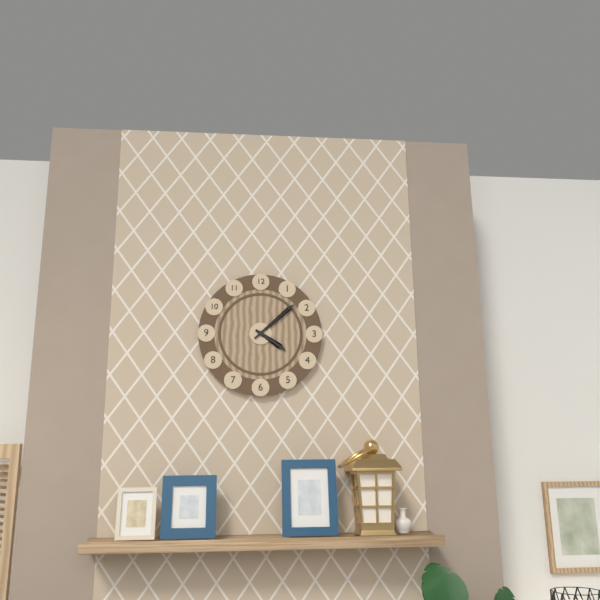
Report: {"hour": 4, "minute": 8}
